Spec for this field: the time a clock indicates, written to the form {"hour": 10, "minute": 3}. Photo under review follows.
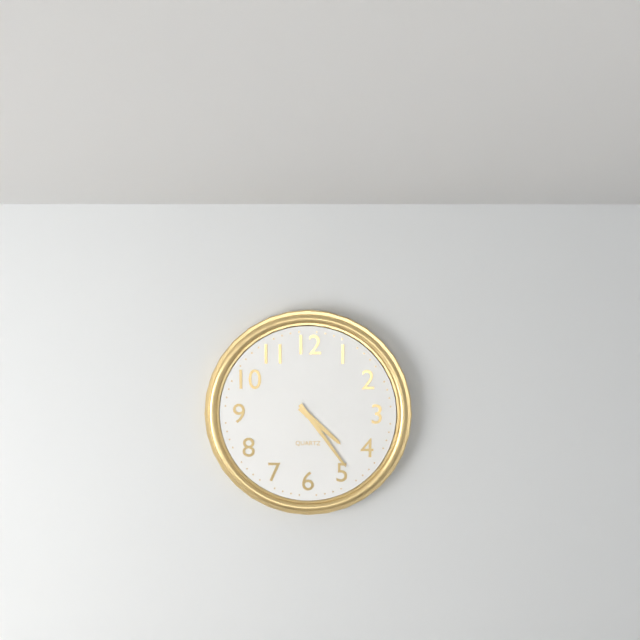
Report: {"hour": 4, "minute": 24}
